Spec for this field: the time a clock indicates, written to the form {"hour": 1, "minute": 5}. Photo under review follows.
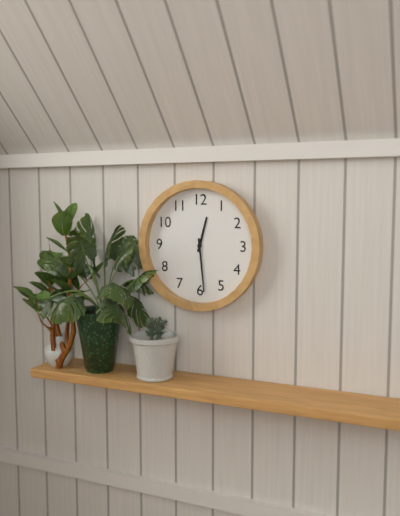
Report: {"hour": 12, "minute": 29}
